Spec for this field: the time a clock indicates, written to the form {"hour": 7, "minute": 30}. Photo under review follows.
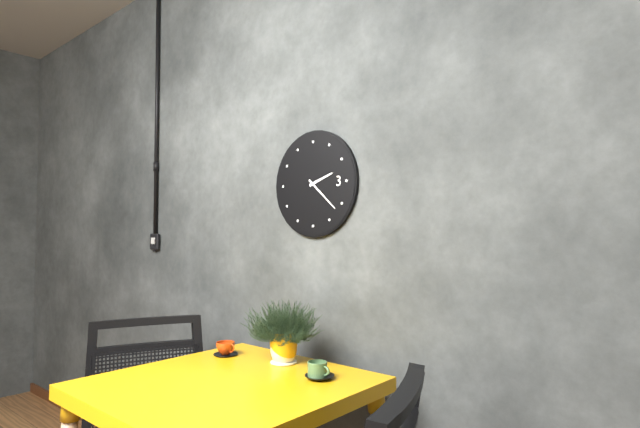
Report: {"hour": 2, "minute": 22}
